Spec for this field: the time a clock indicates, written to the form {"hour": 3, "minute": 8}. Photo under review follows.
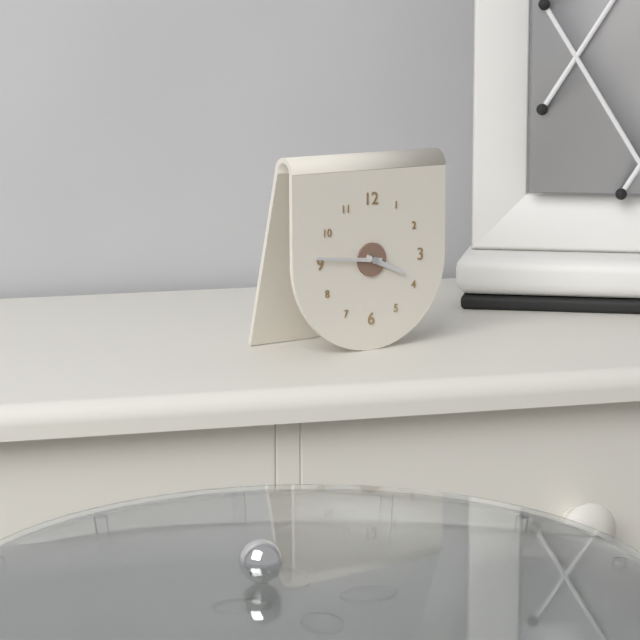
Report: {"hour": 3, "minute": 46}
